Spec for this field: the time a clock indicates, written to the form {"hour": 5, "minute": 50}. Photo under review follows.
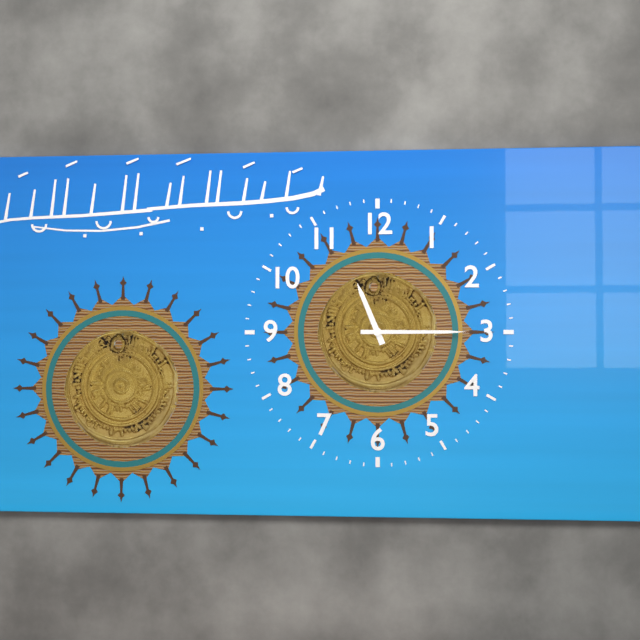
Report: {"hour": 11, "minute": 15}
